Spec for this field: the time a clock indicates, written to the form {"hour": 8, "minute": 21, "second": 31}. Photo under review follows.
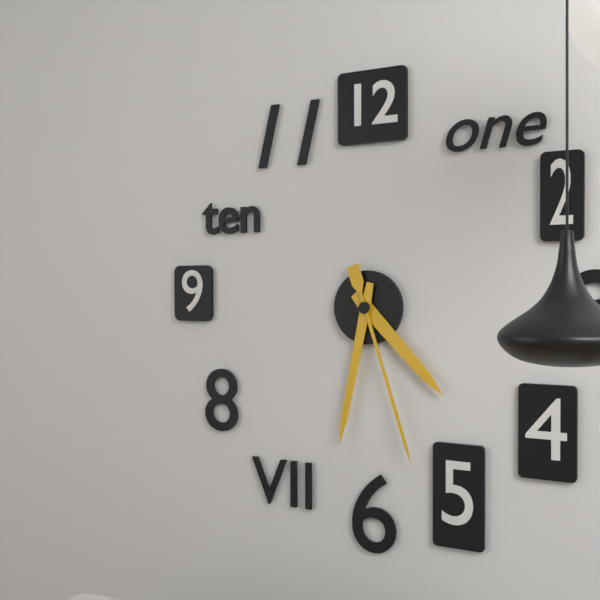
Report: {"hour": 4, "minute": 32, "second": 27}
